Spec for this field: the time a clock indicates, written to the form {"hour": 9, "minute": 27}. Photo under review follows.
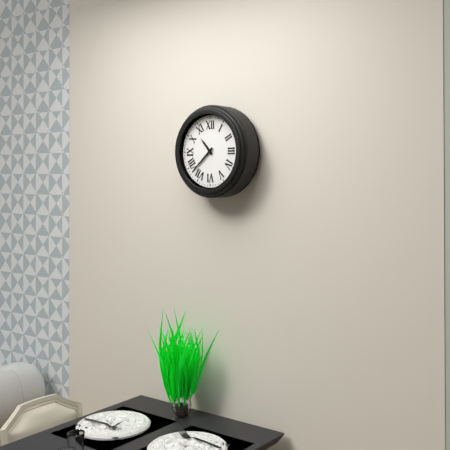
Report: {"hour": 10, "minute": 38}
